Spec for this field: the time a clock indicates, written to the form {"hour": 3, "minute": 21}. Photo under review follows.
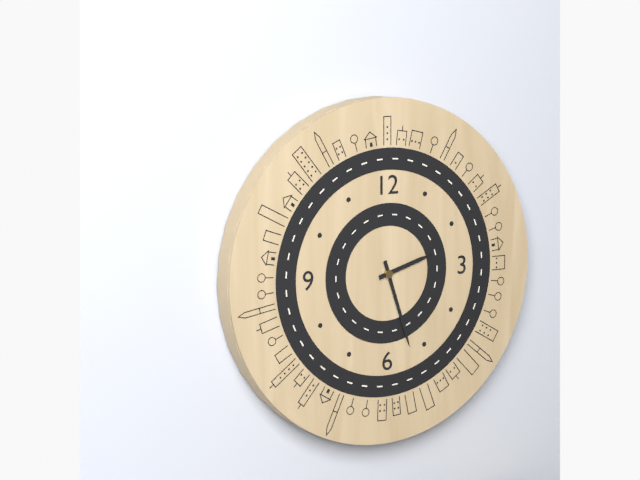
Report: {"hour": 2, "minute": 27}
